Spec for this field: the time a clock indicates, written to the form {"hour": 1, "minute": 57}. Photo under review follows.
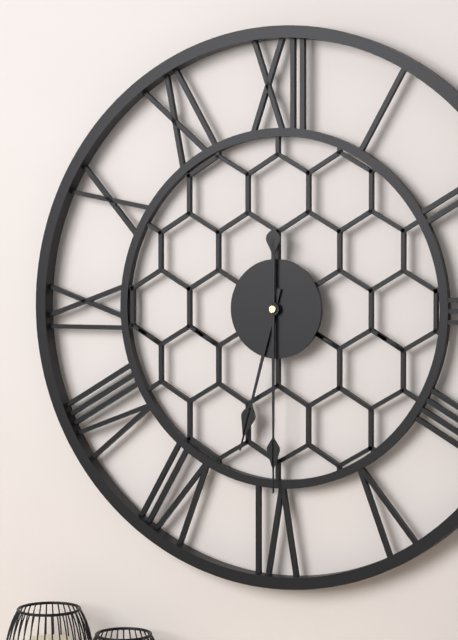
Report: {"hour": 6, "minute": 30}
